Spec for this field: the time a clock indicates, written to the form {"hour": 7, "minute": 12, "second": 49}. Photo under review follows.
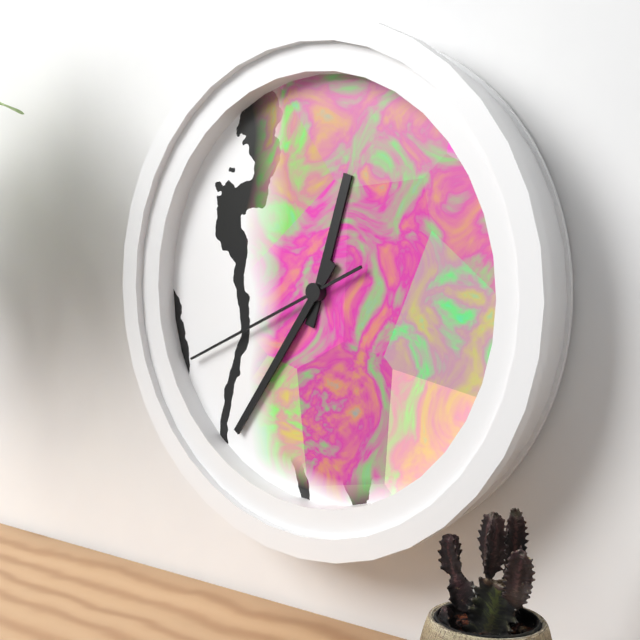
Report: {"hour": 12, "minute": 36, "second": 41}
